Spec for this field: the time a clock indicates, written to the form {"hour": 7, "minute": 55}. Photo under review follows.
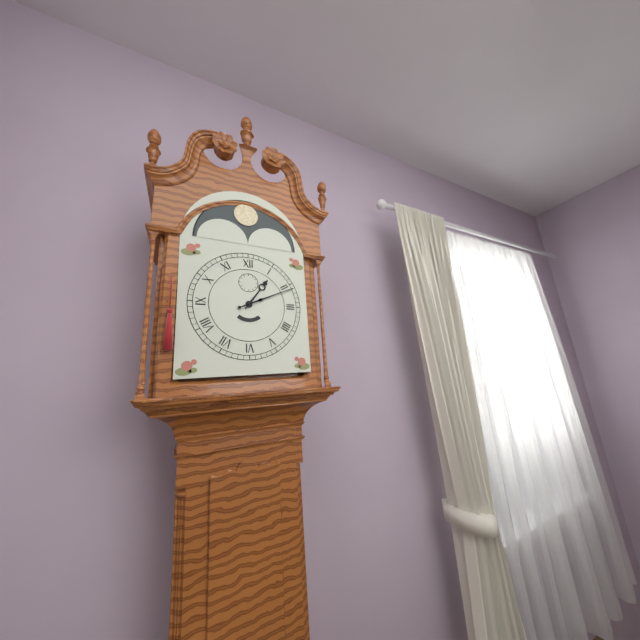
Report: {"hour": 1, "minute": 11}
